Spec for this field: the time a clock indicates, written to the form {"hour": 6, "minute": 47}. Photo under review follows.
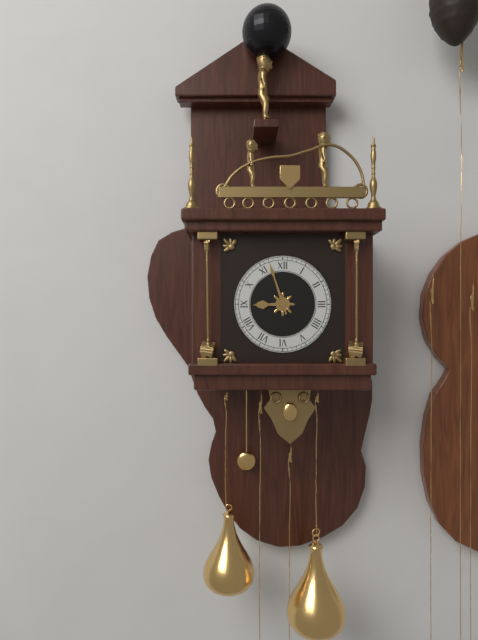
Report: {"hour": 8, "minute": 57}
